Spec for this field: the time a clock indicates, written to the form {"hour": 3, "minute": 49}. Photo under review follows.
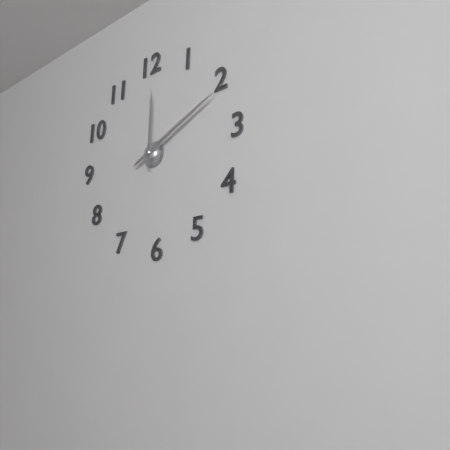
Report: {"hour": 12, "minute": 11}
